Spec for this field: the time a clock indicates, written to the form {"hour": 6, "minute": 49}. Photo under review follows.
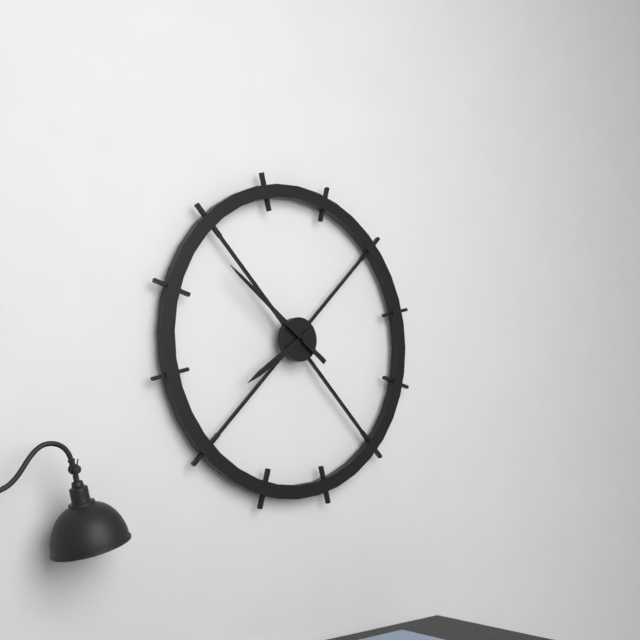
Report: {"hour": 7, "minute": 51}
